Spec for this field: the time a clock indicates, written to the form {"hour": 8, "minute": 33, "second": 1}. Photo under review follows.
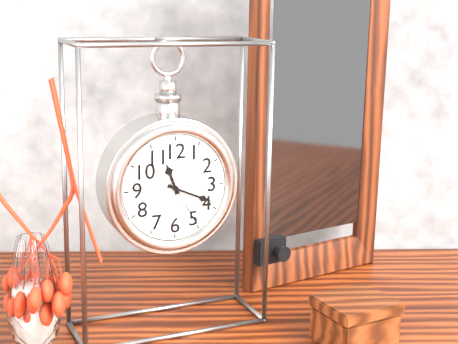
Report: {"hour": 11, "minute": 19, "second": 25}
